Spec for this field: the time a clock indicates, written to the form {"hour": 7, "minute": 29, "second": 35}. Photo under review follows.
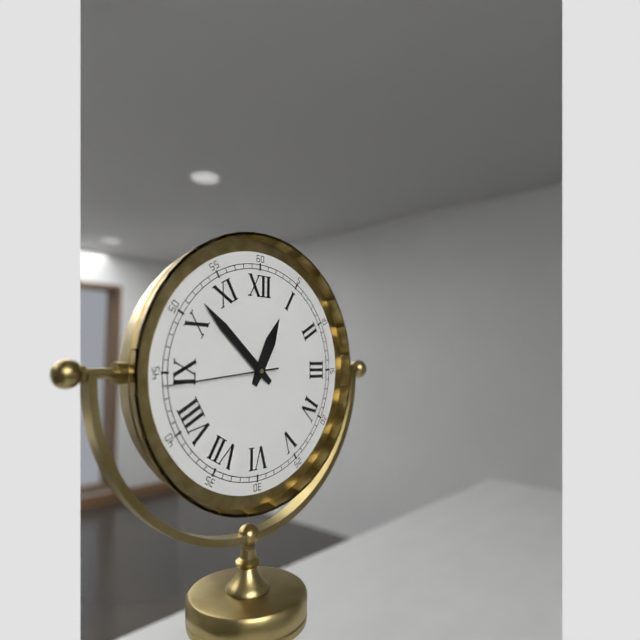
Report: {"hour": 12, "minute": 52, "second": 44}
